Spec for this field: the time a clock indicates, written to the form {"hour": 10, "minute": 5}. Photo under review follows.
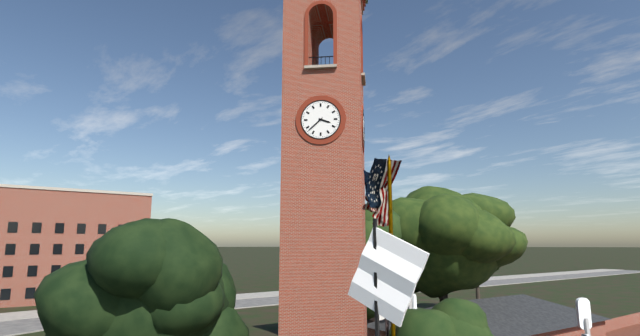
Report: {"hour": 3, "minute": 38}
